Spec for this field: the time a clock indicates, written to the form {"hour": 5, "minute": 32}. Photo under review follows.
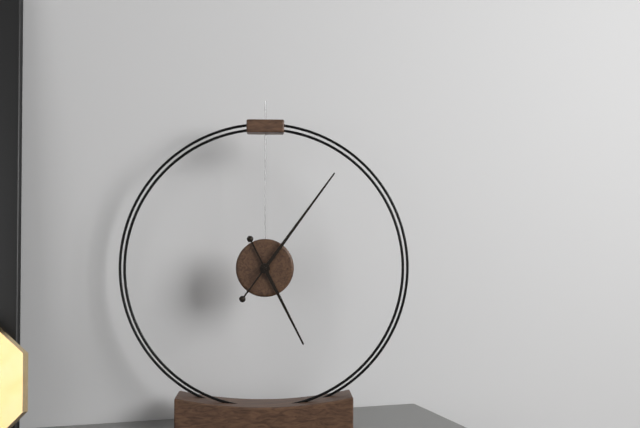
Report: {"hour": 5, "minute": 6}
